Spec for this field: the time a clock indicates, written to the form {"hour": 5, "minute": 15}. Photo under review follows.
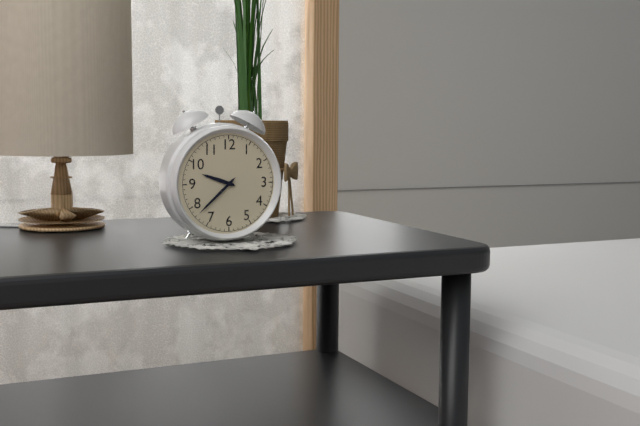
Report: {"hour": 9, "minute": 38}
